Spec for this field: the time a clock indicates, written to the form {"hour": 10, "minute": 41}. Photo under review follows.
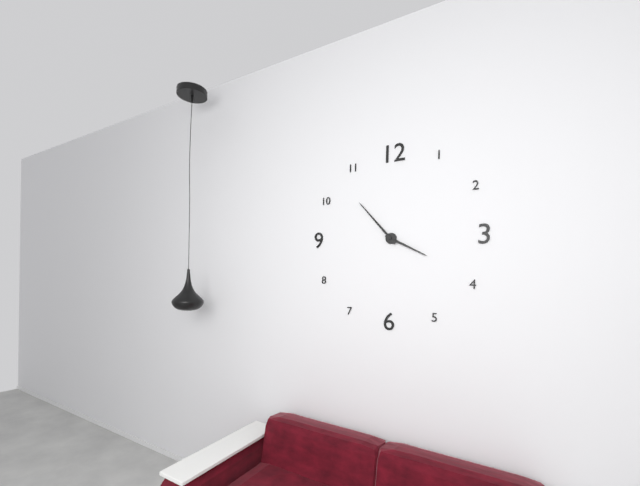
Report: {"hour": 3, "minute": 53}
